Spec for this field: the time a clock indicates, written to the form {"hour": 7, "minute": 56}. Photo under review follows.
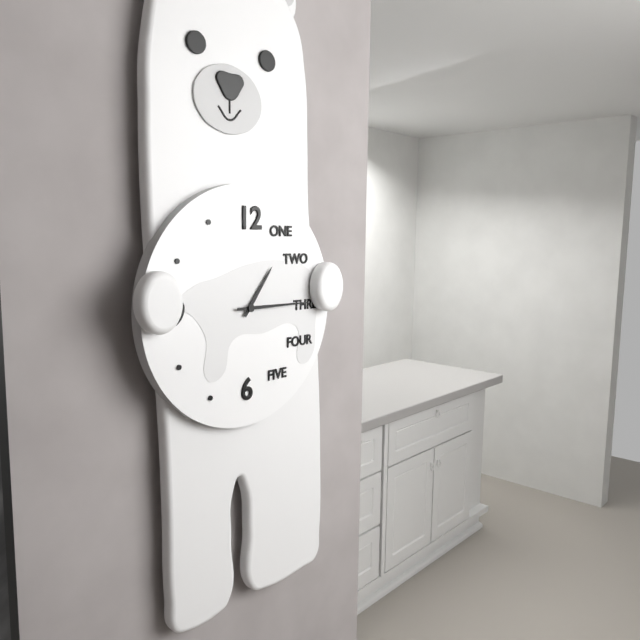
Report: {"hour": 1, "minute": 15}
